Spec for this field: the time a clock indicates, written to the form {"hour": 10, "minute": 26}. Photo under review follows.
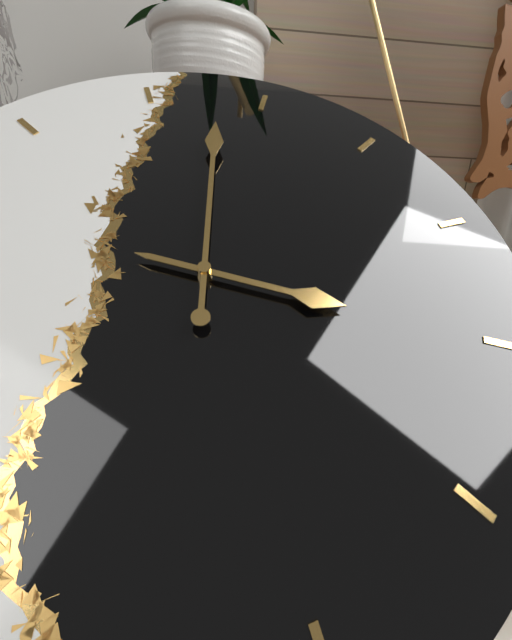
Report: {"hour": 4, "minute": 3}
